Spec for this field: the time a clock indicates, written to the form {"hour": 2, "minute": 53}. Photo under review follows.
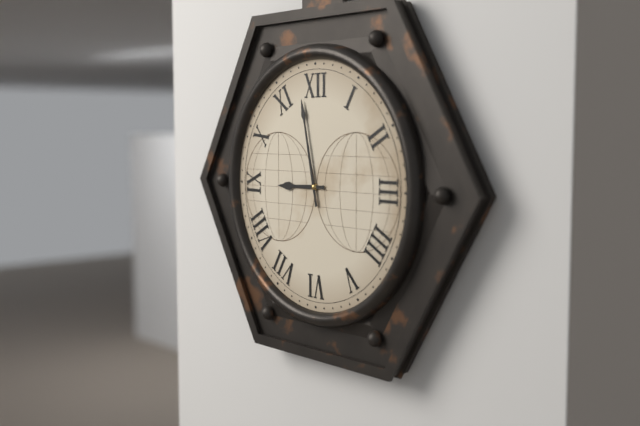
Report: {"hour": 8, "minute": 58}
